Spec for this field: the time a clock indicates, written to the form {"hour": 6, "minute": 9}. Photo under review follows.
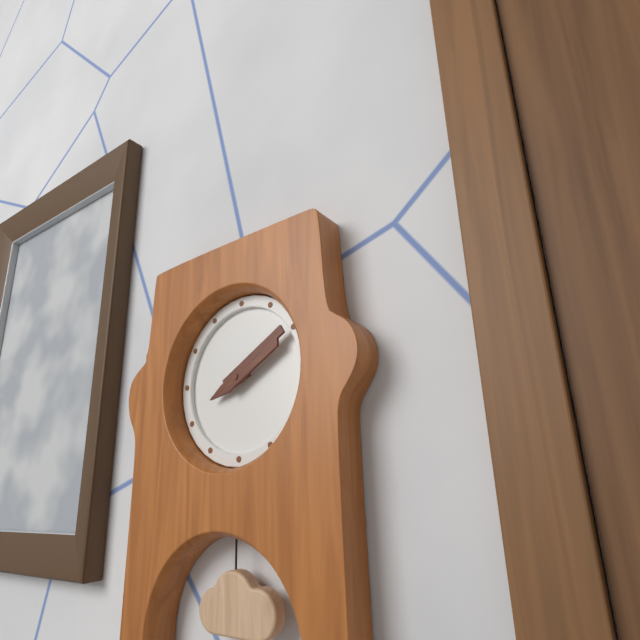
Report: {"hour": 8, "minute": 10}
